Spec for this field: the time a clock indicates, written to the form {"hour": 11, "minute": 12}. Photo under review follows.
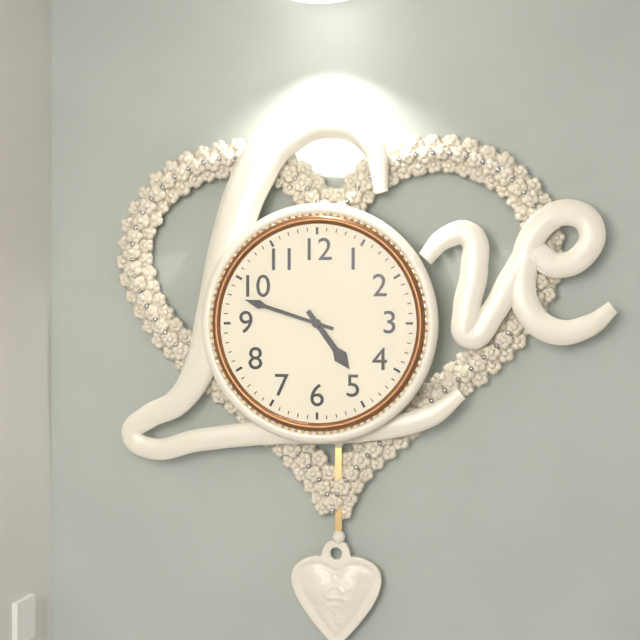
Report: {"hour": 4, "minute": 48}
